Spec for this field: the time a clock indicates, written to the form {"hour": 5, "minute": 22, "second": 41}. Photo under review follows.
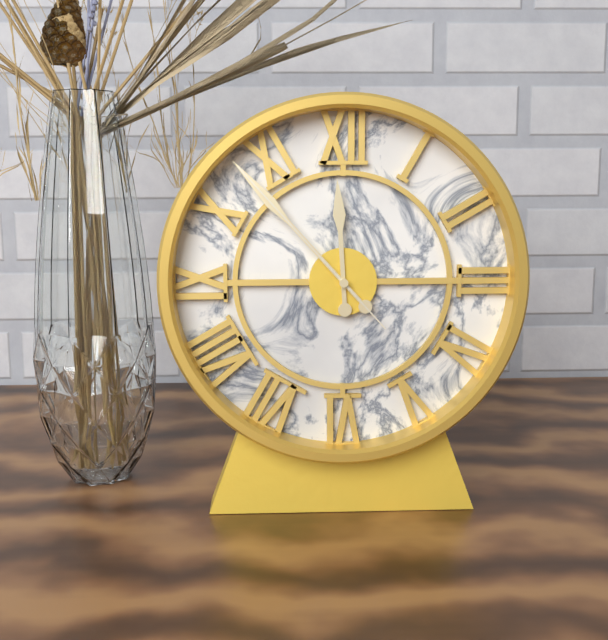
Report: {"hour": 11, "minute": 53, "second": 53}
